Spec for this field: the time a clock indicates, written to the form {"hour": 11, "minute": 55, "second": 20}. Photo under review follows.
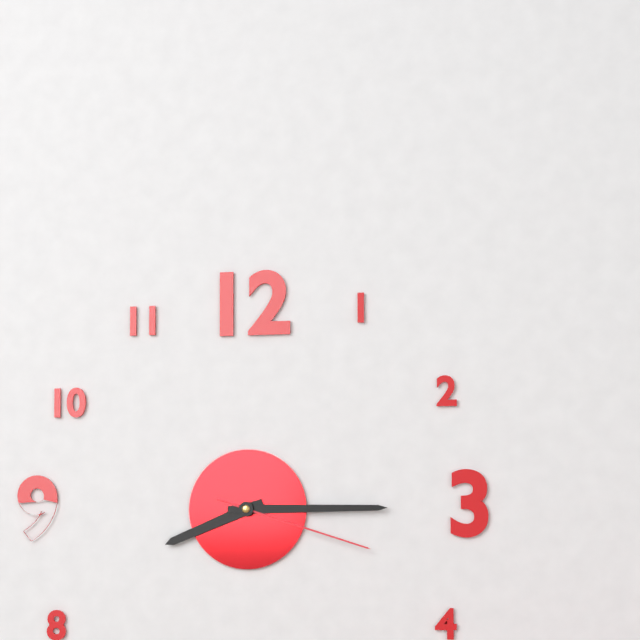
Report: {"hour": 8, "minute": 15, "second": 18}
